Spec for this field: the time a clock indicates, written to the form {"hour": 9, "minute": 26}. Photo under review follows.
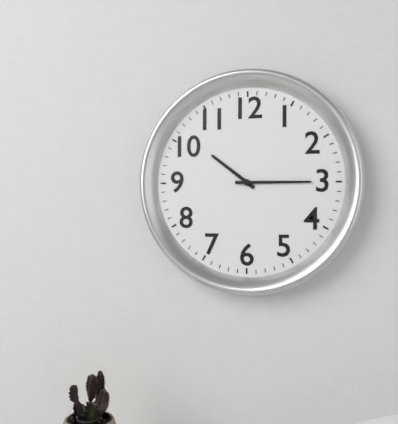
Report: {"hour": 10, "minute": 15}
